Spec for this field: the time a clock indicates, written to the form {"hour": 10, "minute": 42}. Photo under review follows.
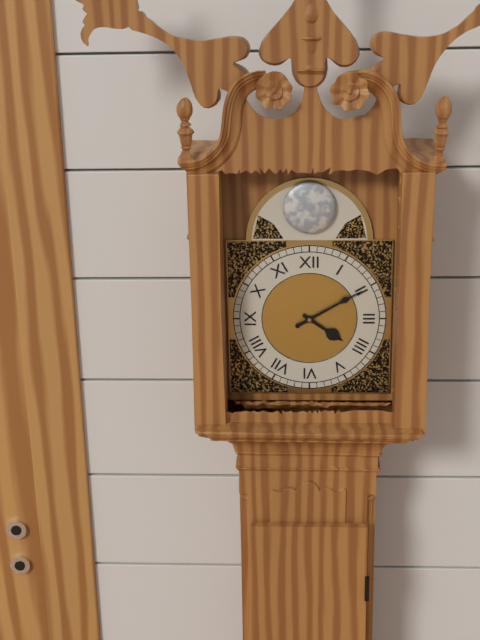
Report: {"hour": 4, "minute": 10}
